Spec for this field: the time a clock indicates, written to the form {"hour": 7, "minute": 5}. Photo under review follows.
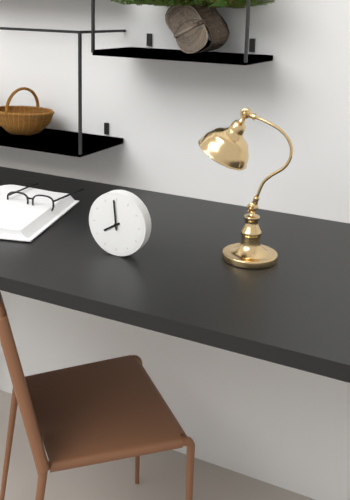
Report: {"hour": 7, "minute": 59}
